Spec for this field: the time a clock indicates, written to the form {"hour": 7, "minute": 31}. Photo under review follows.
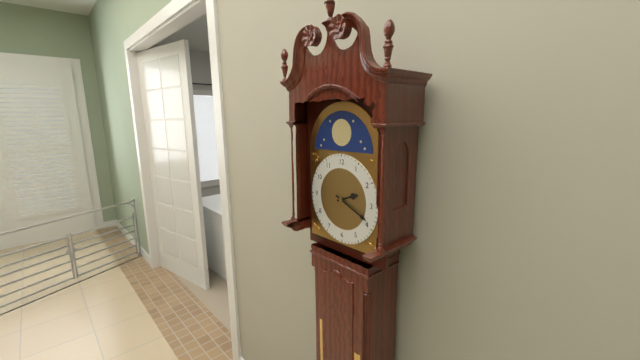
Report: {"hour": 2, "minute": 19}
